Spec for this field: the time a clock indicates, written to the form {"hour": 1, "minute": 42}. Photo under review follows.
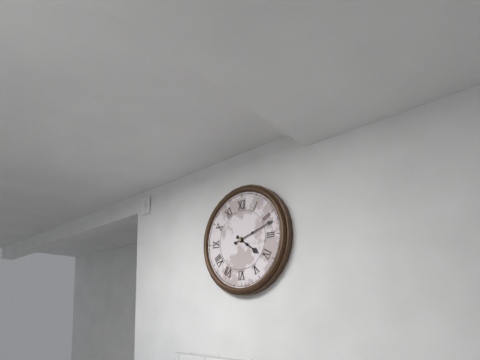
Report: {"hour": 4, "minute": 12}
